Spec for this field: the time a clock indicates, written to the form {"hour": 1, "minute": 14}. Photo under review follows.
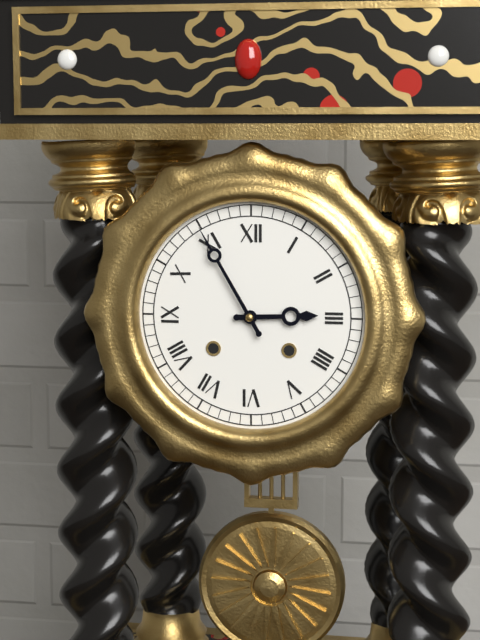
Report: {"hour": 2, "minute": 55}
